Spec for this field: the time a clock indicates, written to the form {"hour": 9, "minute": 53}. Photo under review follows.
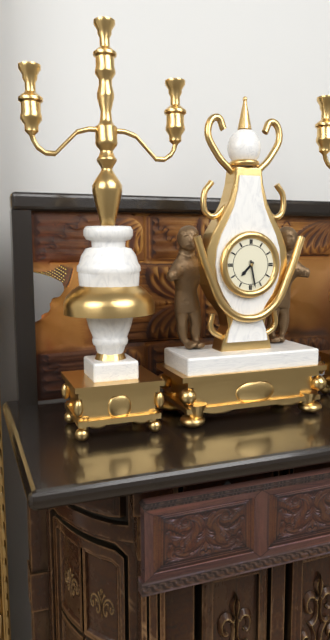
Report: {"hour": 7, "minute": 28}
